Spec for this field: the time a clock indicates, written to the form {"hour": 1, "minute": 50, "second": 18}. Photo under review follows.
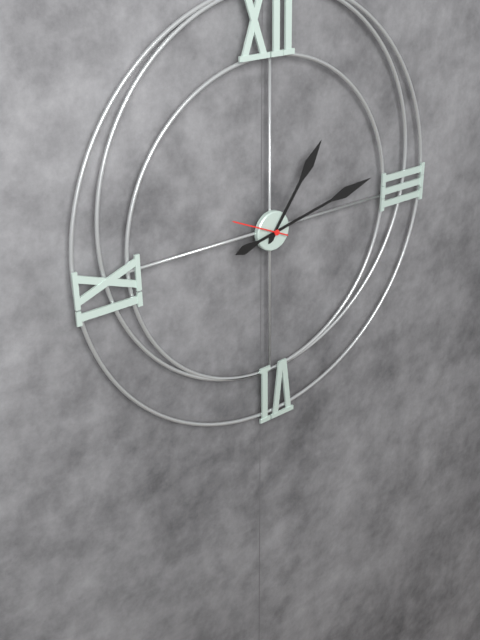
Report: {"hour": 1, "minute": 13, "second": 49}
